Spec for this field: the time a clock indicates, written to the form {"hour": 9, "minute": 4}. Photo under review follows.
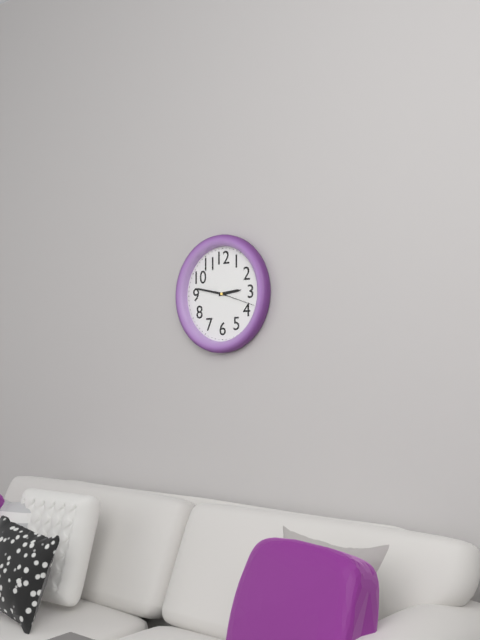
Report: {"hour": 2, "minute": 47}
